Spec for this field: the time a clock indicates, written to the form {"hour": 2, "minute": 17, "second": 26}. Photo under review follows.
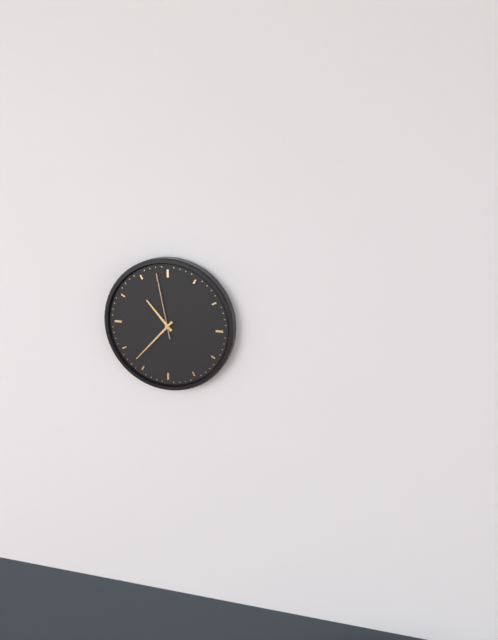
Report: {"hour": 10, "minute": 37, "second": 58}
